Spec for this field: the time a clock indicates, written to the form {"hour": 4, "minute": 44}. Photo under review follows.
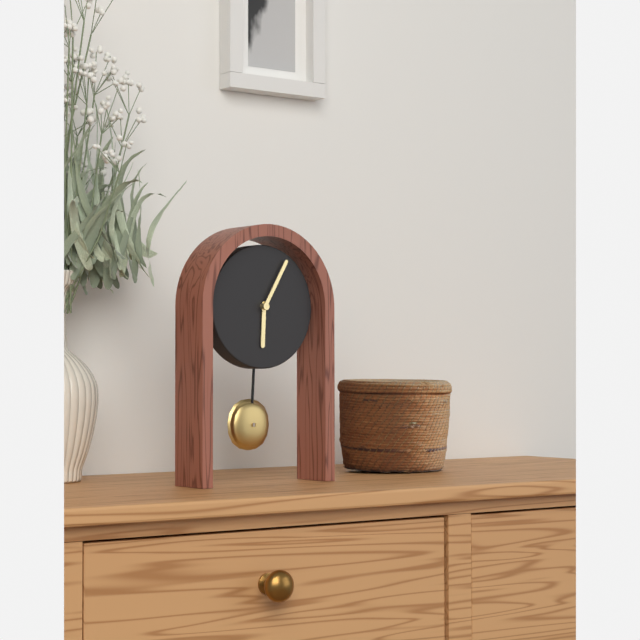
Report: {"hour": 6, "minute": 5}
